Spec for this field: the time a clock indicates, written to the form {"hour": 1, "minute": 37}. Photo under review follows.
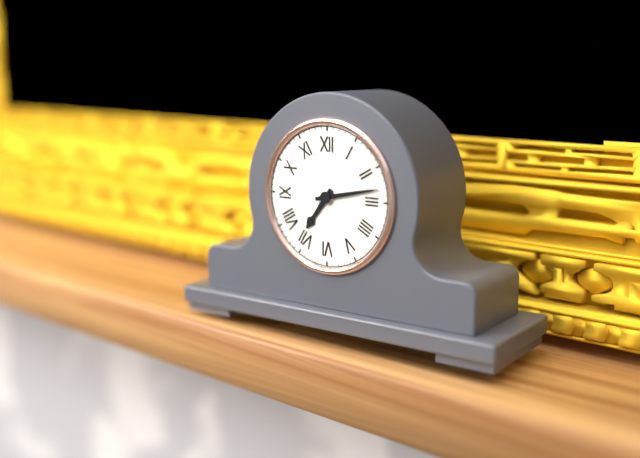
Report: {"hour": 7, "minute": 13}
